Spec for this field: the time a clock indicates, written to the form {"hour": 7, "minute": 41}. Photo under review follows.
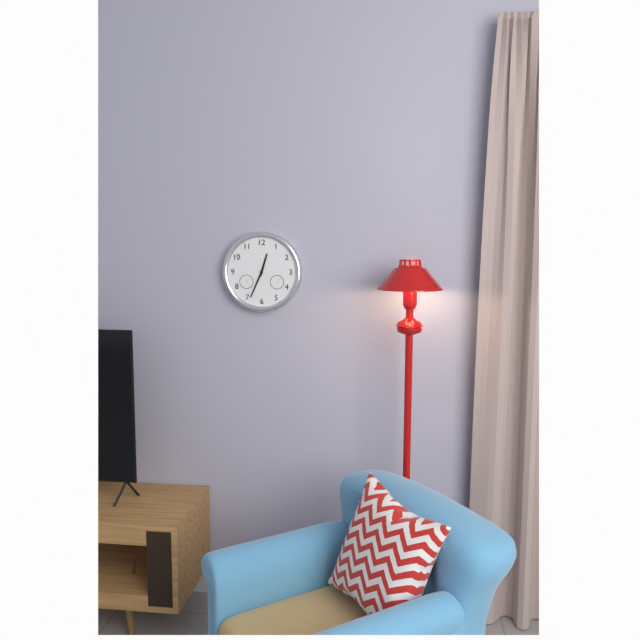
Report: {"hour": 12, "minute": 34}
